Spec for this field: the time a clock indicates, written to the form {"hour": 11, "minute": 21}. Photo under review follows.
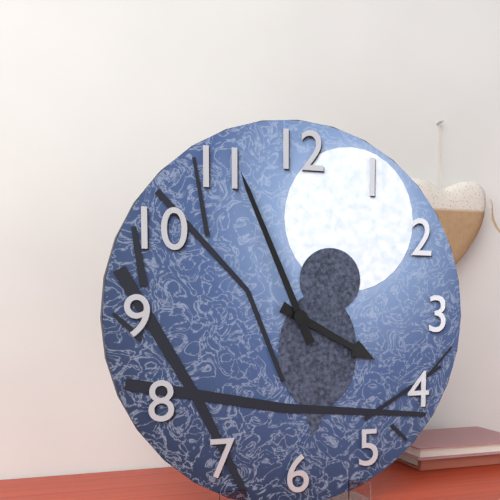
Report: {"hour": 3, "minute": 56}
